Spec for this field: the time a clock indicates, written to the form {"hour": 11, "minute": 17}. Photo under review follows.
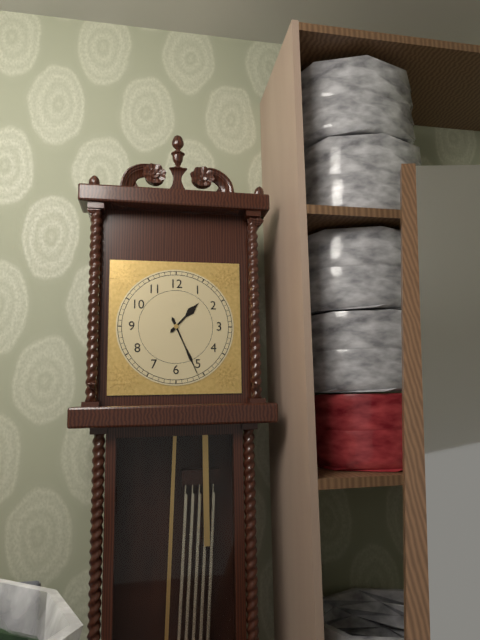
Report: {"hour": 1, "minute": 26}
